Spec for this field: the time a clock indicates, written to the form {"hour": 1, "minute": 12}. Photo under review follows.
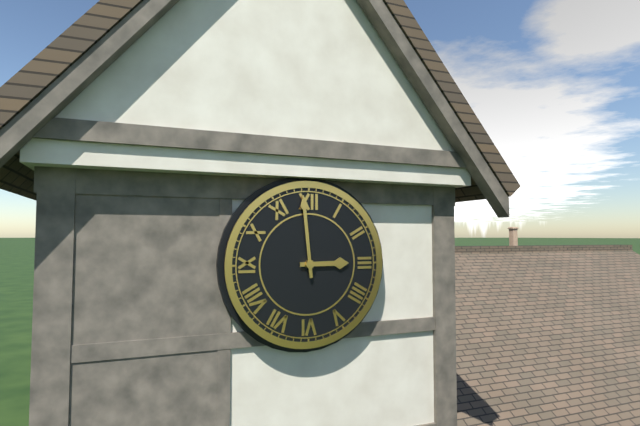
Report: {"hour": 2, "minute": 59}
